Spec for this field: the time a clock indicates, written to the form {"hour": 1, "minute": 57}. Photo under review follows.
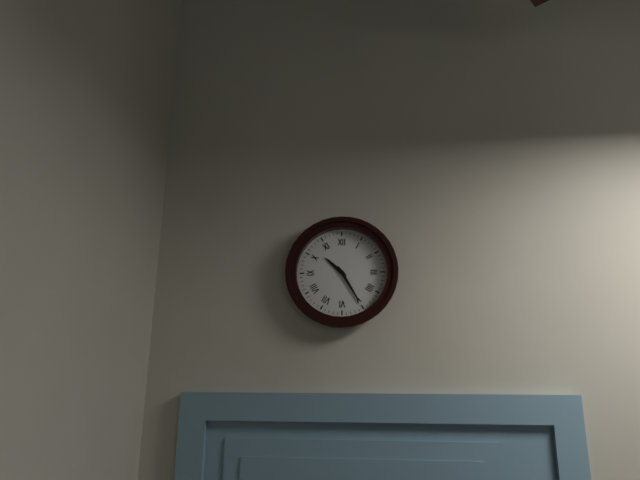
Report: {"hour": 10, "minute": 25}
